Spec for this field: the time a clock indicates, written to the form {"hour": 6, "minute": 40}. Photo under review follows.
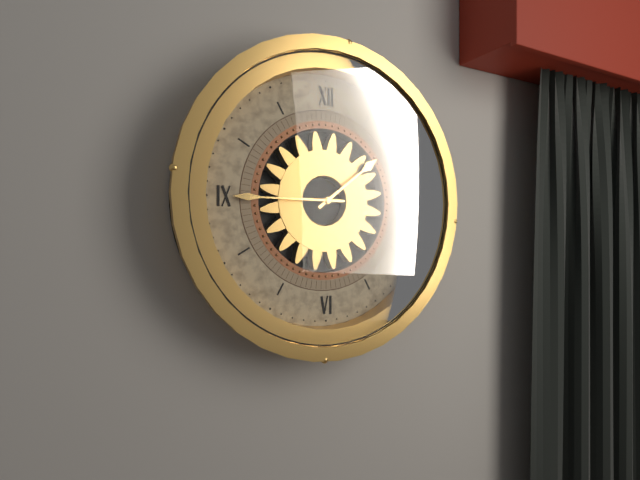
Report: {"hour": 1, "minute": 45}
